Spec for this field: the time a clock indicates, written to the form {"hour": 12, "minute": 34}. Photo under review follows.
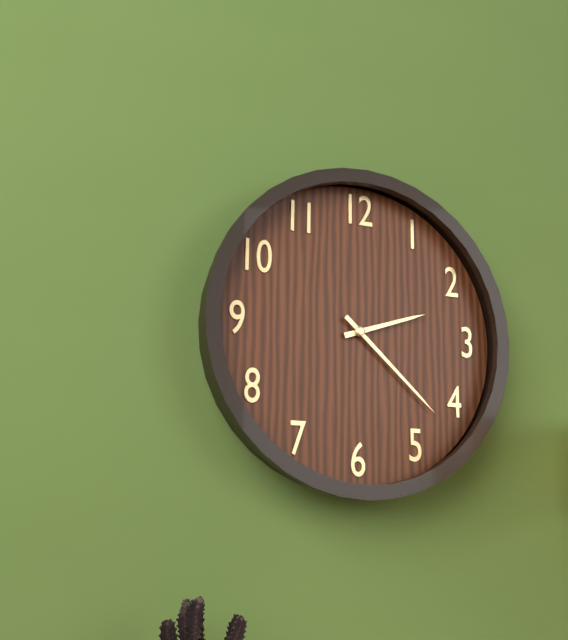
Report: {"hour": 2, "minute": 22}
